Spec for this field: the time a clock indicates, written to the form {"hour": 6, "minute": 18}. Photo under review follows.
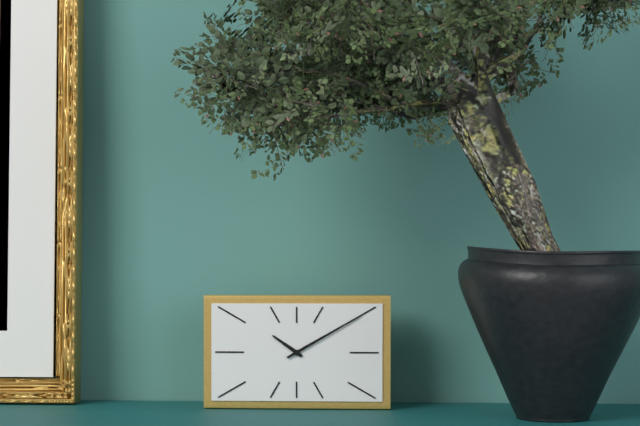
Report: {"hour": 10, "minute": 10}
